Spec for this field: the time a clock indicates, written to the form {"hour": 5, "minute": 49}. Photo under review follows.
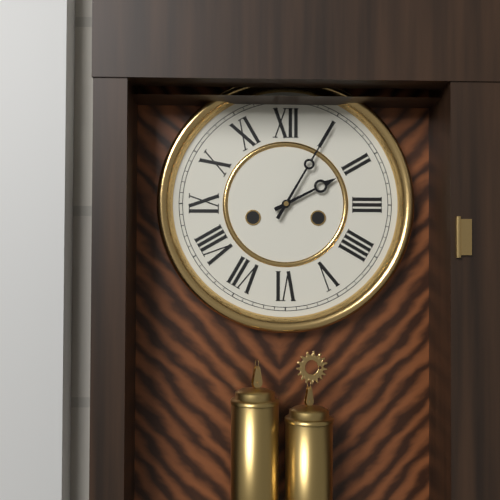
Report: {"hour": 2, "minute": 5}
